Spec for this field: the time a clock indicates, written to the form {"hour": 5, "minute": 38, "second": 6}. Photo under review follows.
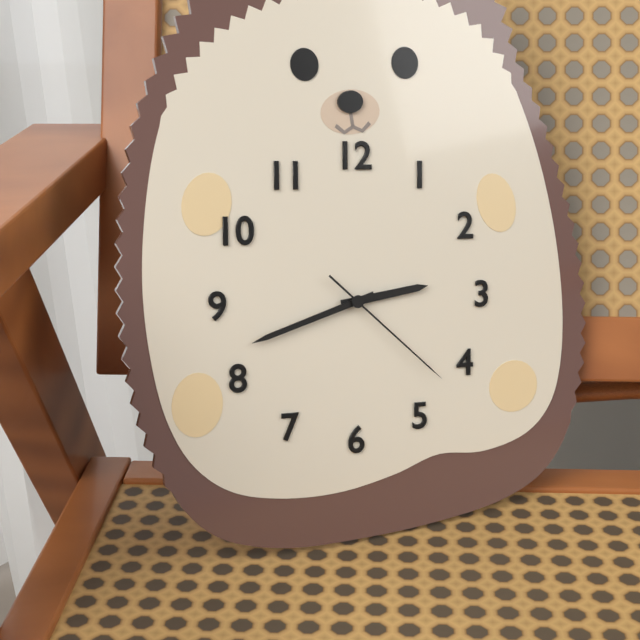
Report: {"hour": 2, "minute": 42, "second": 22}
